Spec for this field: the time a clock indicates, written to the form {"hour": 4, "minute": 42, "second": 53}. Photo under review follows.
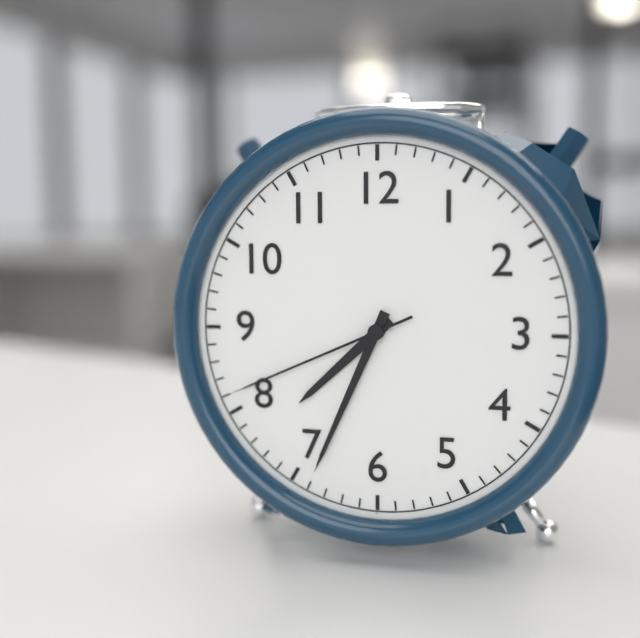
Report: {"hour": 7, "minute": 34, "second": 41}
